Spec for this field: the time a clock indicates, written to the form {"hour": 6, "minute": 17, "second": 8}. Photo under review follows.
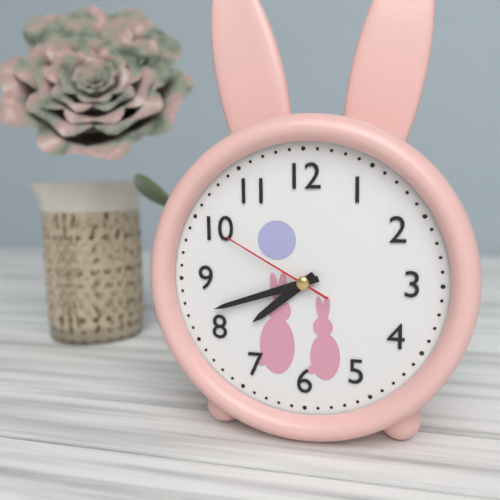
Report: {"hour": 7, "minute": 42, "second": 50}
